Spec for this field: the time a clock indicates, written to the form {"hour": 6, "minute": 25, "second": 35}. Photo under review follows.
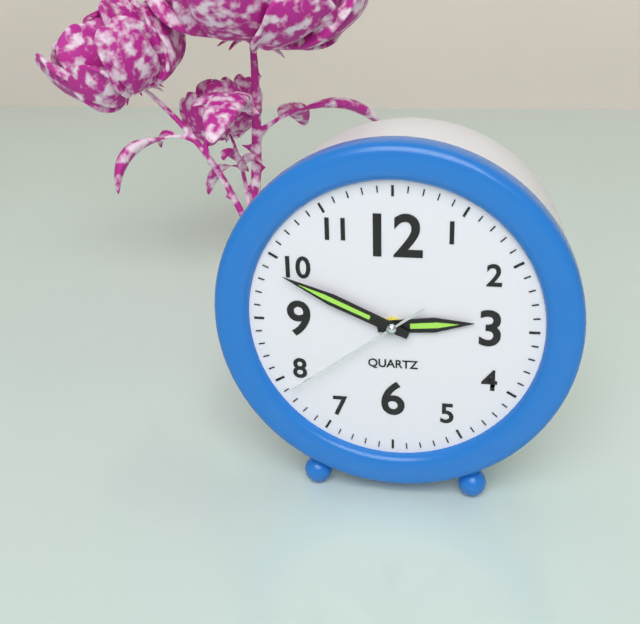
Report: {"hour": 2, "minute": 49, "second": 39}
